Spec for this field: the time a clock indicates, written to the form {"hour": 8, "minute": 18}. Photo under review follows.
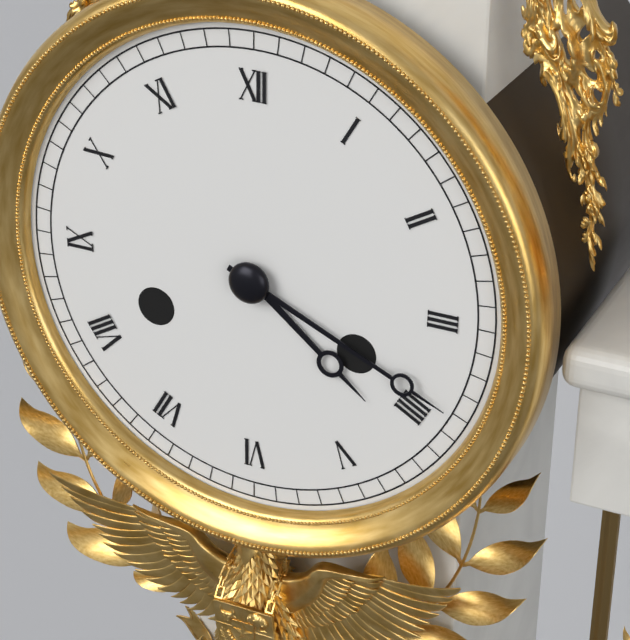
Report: {"hour": 4, "minute": 19}
